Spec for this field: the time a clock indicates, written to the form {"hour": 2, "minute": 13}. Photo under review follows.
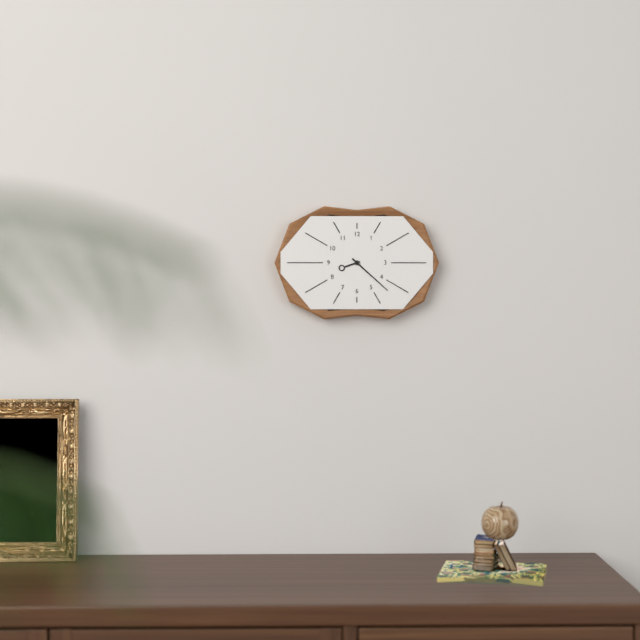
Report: {"hour": 8, "minute": 22}
